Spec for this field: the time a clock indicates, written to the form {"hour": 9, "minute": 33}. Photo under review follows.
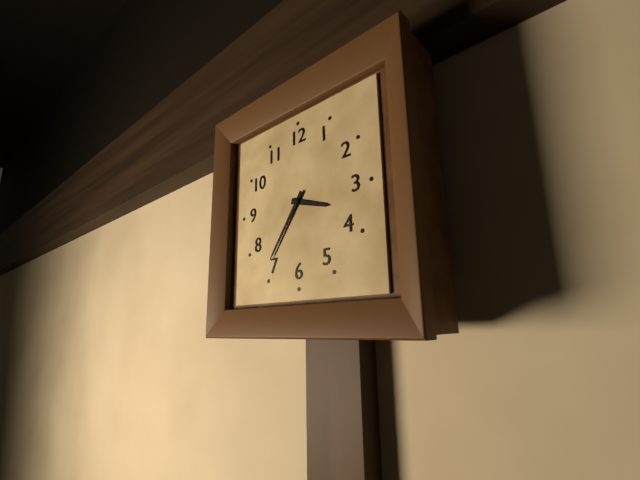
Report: {"hour": 3, "minute": 36}
